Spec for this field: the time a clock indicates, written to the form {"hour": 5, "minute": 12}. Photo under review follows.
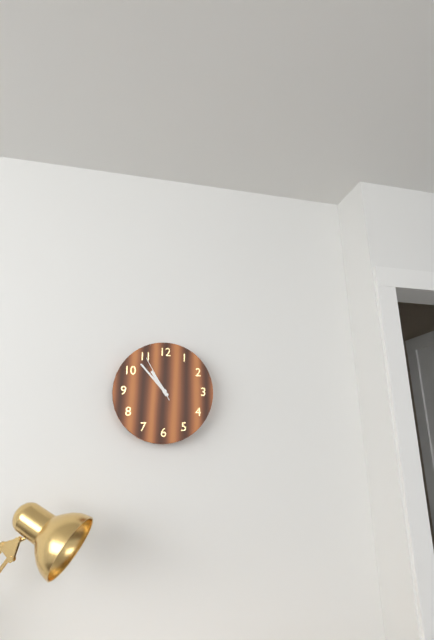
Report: {"hour": 10, "minute": 53}
